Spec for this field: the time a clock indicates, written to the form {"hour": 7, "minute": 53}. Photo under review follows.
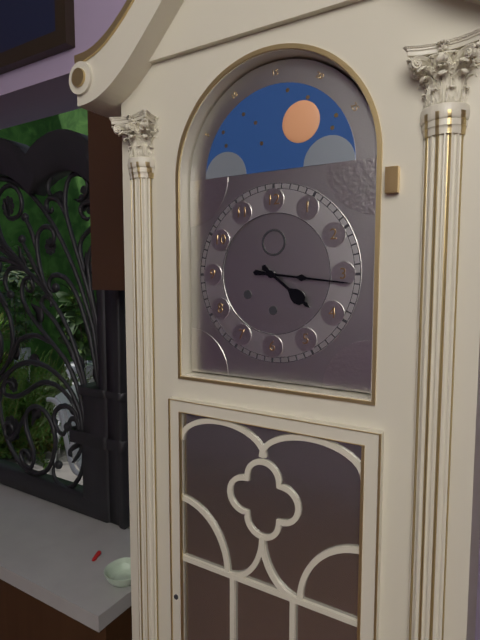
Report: {"hour": 4, "minute": 16}
